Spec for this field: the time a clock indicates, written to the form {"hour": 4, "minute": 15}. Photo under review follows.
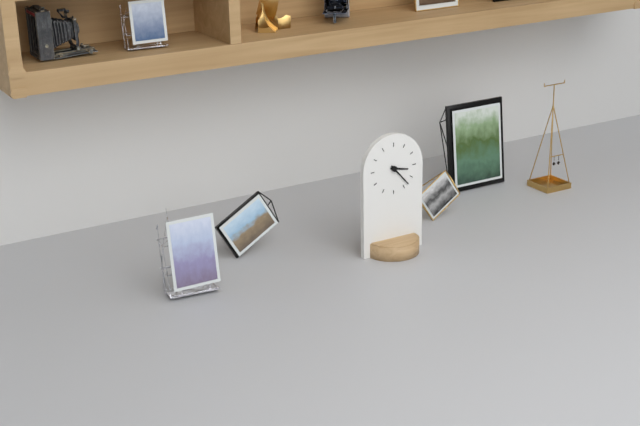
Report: {"hour": 3, "minute": 23}
